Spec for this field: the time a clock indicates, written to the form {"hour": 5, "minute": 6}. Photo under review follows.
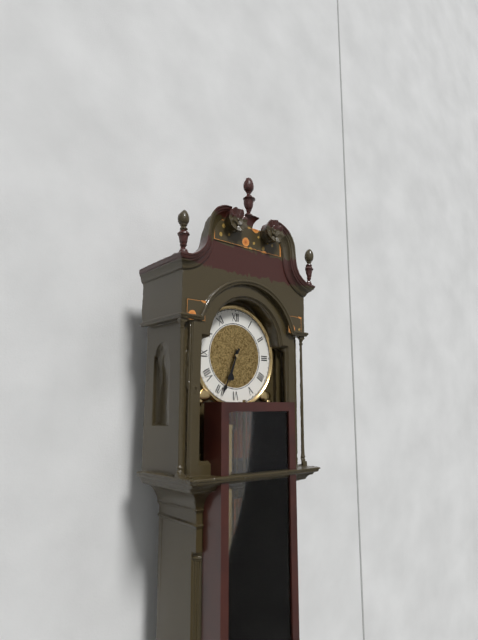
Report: {"hour": 6, "minute": 34}
